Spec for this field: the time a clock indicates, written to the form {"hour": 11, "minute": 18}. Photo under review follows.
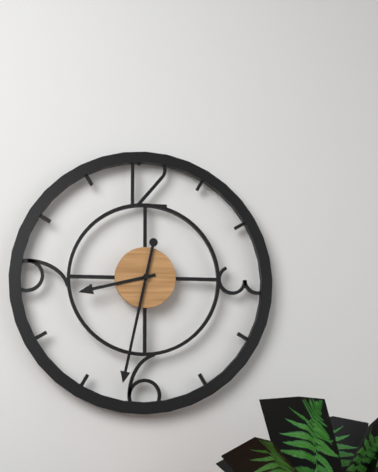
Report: {"hour": 8, "minute": 32}
